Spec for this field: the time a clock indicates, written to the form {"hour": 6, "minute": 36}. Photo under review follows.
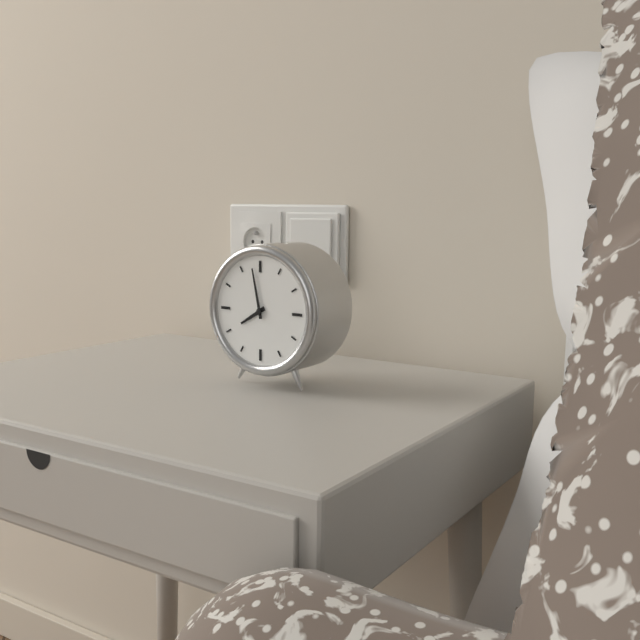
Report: {"hour": 7, "minute": 58}
